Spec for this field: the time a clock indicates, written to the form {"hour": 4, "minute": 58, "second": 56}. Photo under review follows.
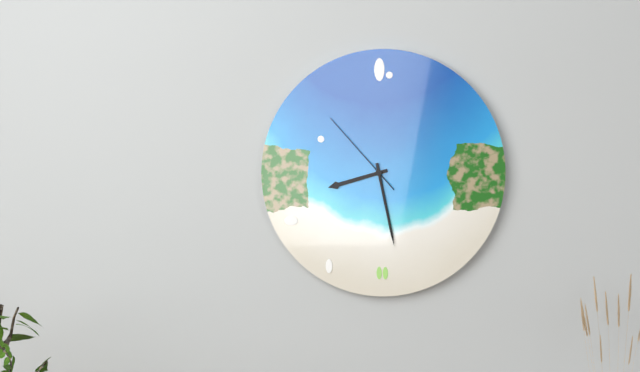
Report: {"hour": 8, "minute": 28, "second": 53}
